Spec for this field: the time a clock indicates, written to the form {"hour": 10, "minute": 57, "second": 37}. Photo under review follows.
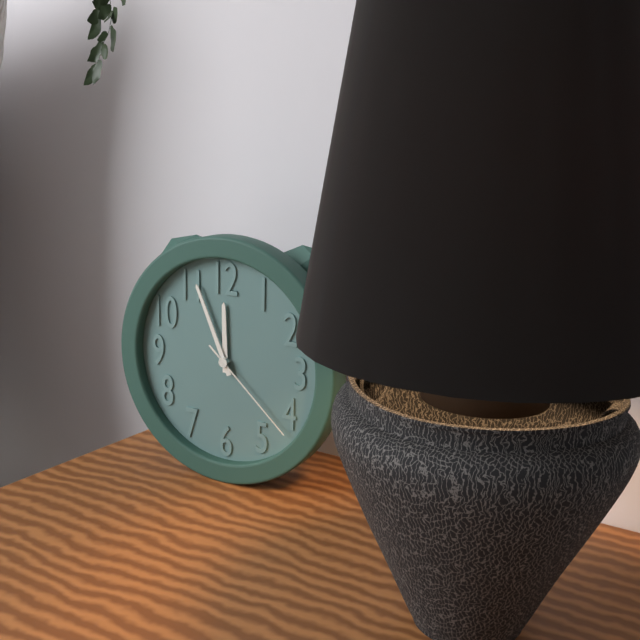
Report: {"hour": 11, "minute": 56, "second": 22}
